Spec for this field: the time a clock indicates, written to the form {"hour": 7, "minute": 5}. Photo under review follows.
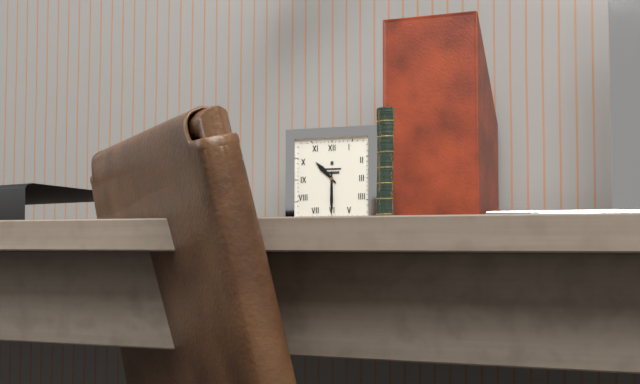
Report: {"hour": 10, "minute": 30}
